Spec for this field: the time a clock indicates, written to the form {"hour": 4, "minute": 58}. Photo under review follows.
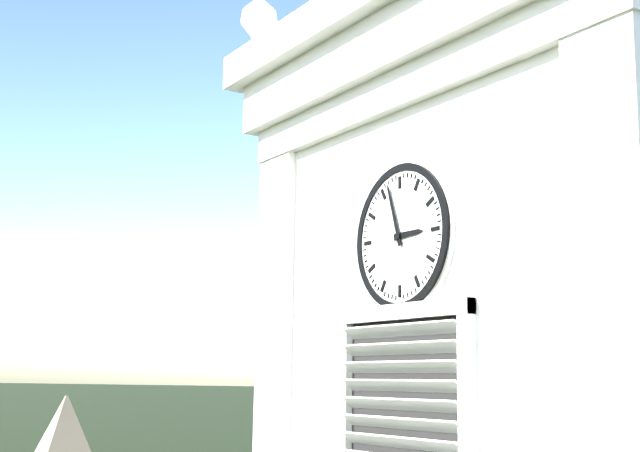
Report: {"hour": 2, "minute": 57}
